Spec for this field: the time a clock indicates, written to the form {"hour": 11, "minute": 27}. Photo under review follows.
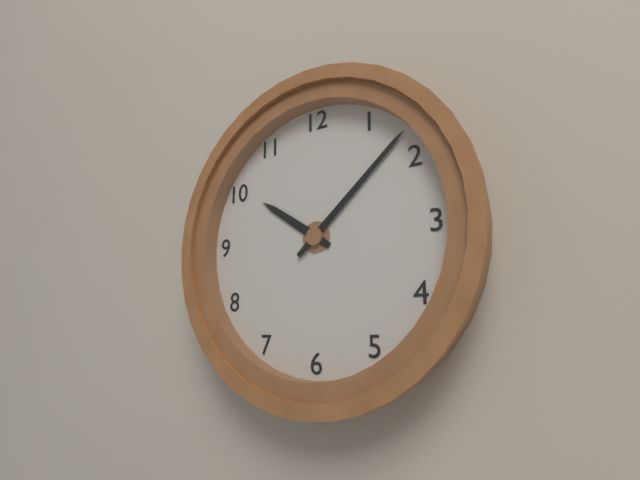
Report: {"hour": 10, "minute": 8}
